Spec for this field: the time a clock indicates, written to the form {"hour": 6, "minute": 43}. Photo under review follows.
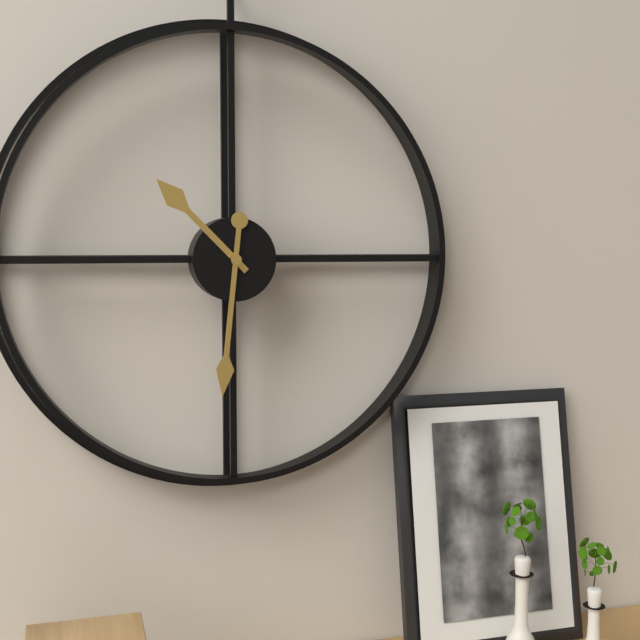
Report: {"hour": 10, "minute": 31}
